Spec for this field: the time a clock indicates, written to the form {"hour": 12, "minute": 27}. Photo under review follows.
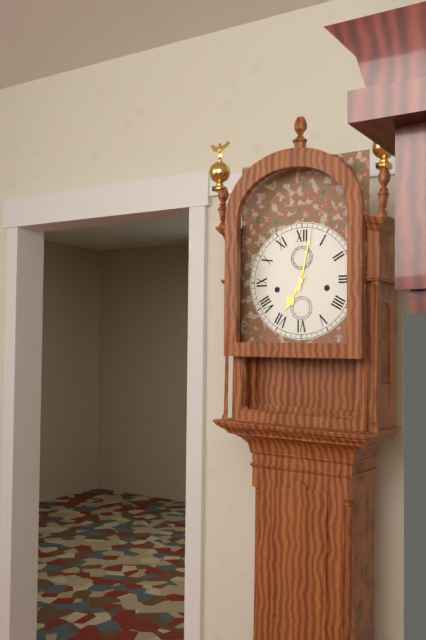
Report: {"hour": 7, "minute": 2}
